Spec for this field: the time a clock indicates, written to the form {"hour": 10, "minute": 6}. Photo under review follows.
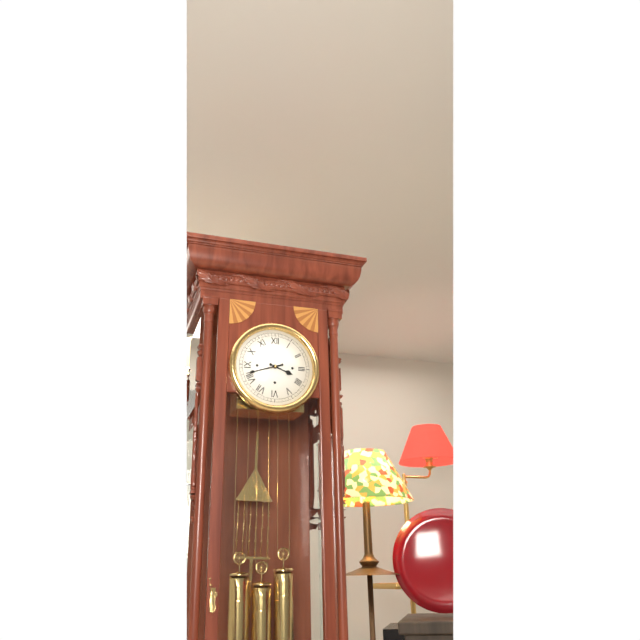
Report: {"hour": 3, "minute": 42}
